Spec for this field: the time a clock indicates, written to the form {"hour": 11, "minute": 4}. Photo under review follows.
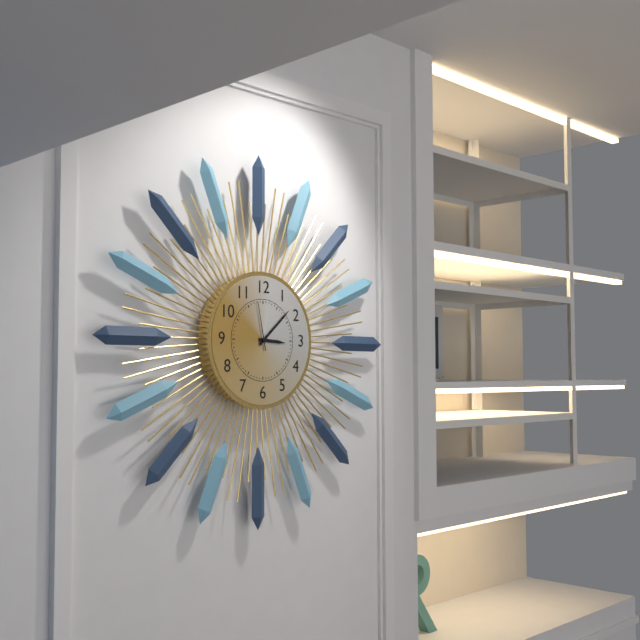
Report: {"hour": 3, "minute": 8}
